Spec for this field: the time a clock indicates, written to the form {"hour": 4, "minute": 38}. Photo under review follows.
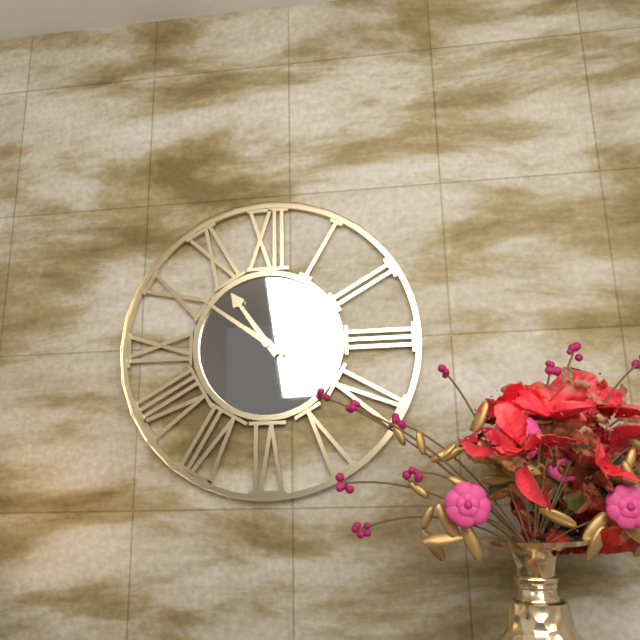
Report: {"hour": 10, "minute": 51}
